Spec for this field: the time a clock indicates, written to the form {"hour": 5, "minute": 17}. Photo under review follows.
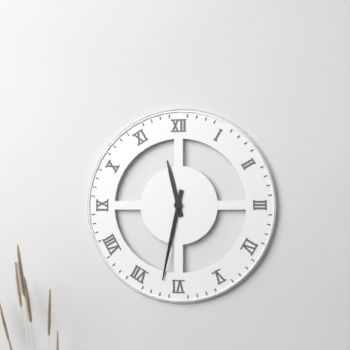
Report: {"hour": 11, "minute": 32}
